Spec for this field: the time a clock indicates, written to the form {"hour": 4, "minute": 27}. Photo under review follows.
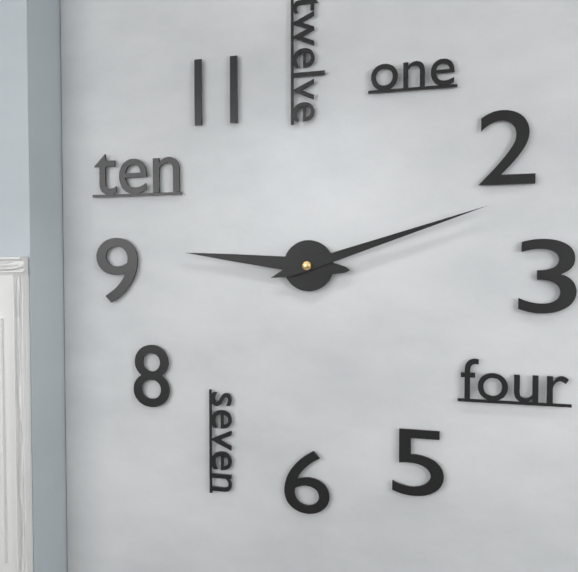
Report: {"hour": 9, "minute": 12}
